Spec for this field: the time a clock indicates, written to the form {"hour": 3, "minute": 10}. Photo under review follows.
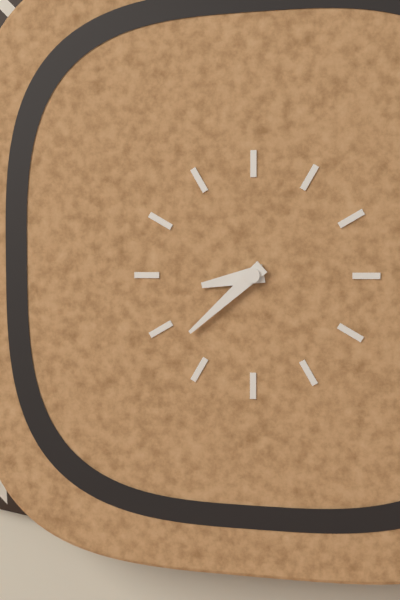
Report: {"hour": 8, "minute": 38}
